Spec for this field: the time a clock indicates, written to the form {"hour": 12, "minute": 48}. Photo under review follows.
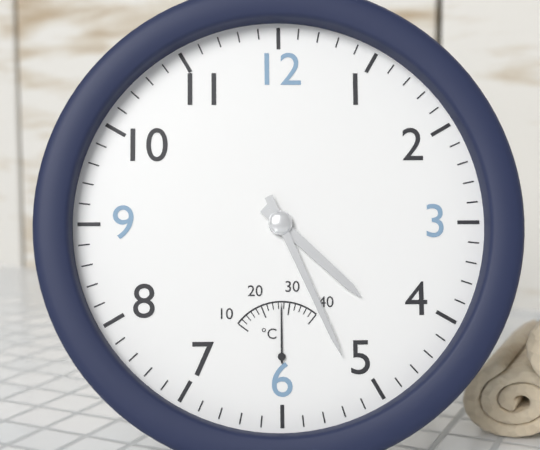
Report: {"hour": 4, "minute": 26}
